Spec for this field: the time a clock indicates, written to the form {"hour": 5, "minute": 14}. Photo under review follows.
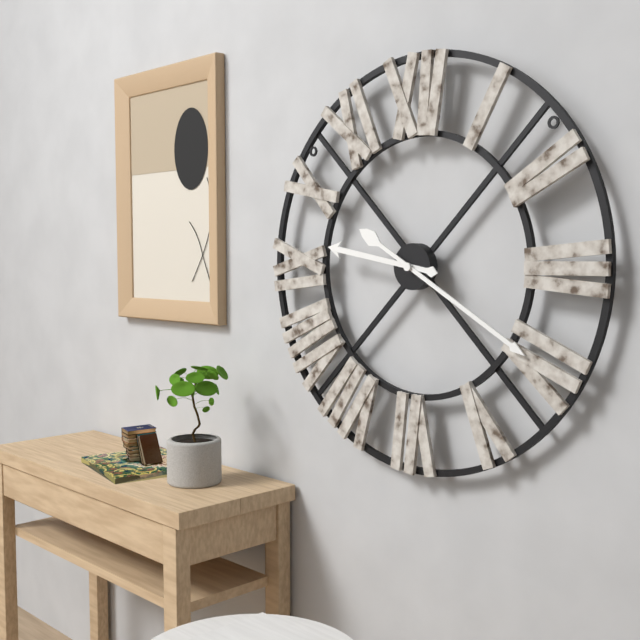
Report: {"hour": 9, "minute": 20}
